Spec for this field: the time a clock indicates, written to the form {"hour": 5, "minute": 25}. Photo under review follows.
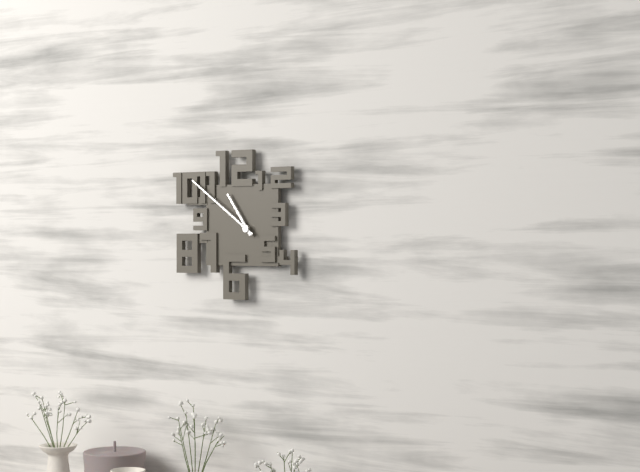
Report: {"hour": 10, "minute": 51}
